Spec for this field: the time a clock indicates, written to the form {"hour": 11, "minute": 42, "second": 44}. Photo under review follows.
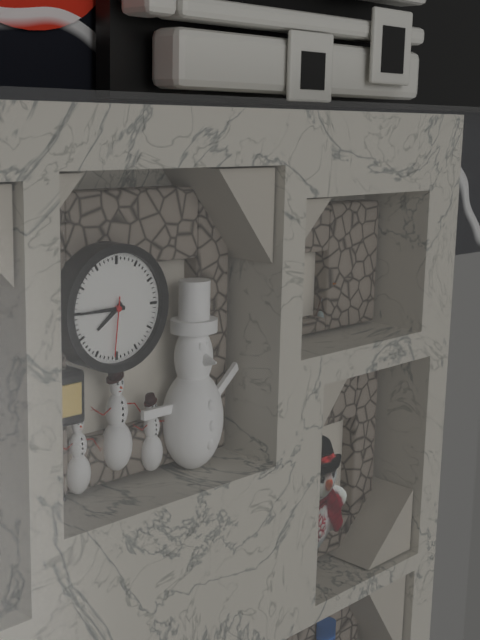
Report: {"hour": 7, "minute": 45, "second": 31}
